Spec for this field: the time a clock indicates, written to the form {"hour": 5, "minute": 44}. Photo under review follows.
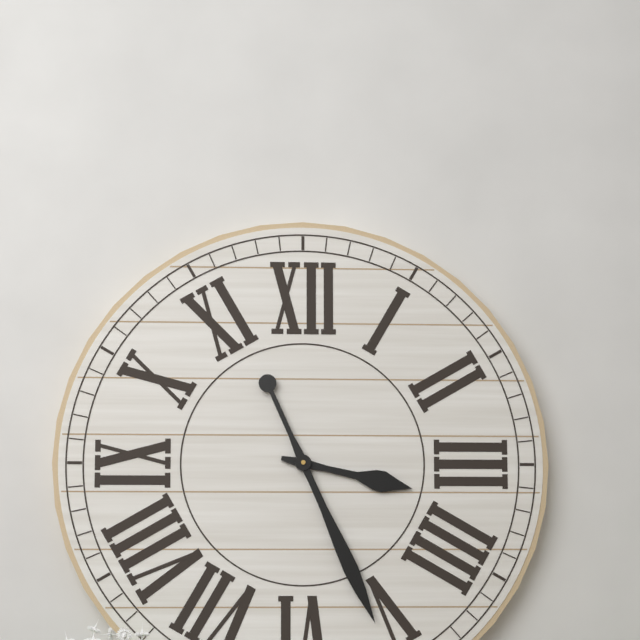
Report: {"hour": 3, "minute": 26}
